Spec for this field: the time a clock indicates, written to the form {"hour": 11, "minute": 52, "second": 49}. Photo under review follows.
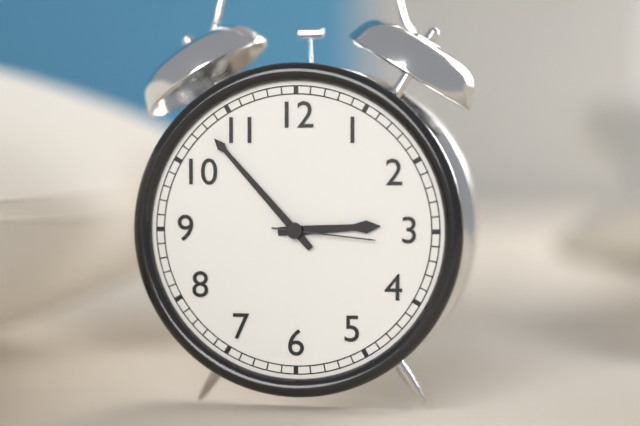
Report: {"hour": 2, "minute": 53, "second": 16}
